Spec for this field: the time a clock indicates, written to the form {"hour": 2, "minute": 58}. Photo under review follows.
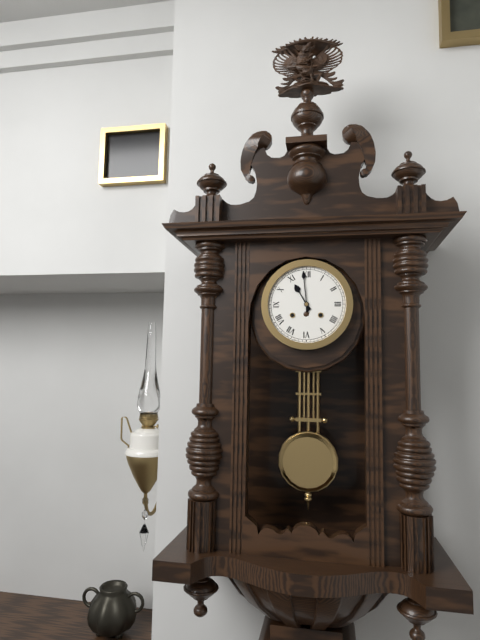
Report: {"hour": 10, "minute": 59}
